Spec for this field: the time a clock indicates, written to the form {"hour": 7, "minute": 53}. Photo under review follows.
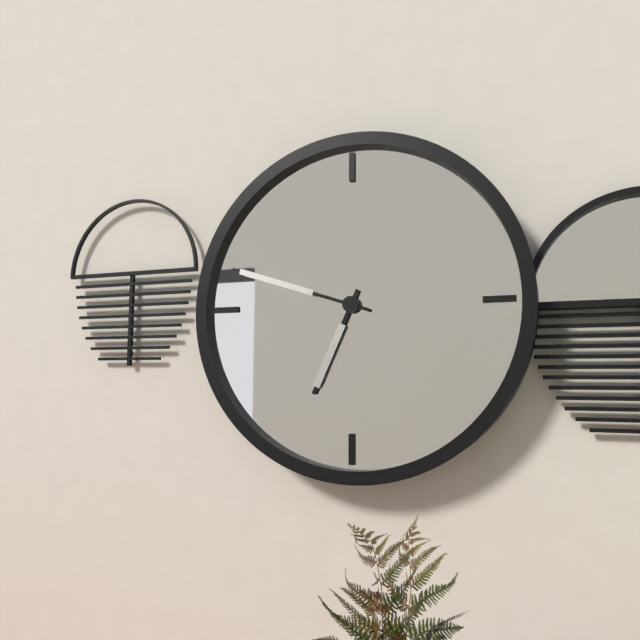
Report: {"hour": 6, "minute": 48}
